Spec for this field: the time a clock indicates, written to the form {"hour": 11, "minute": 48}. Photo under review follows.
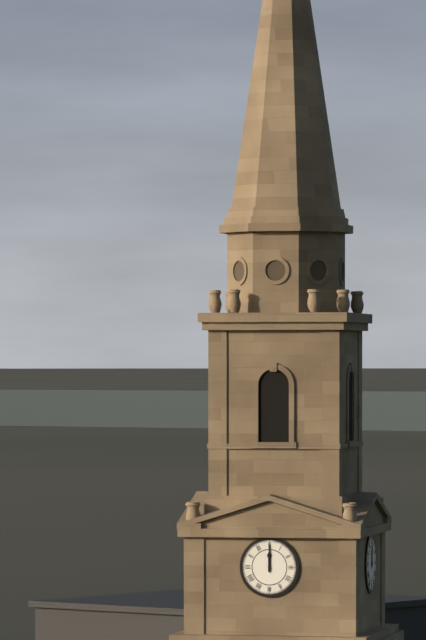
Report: {"hour": 12, "minute": 0}
